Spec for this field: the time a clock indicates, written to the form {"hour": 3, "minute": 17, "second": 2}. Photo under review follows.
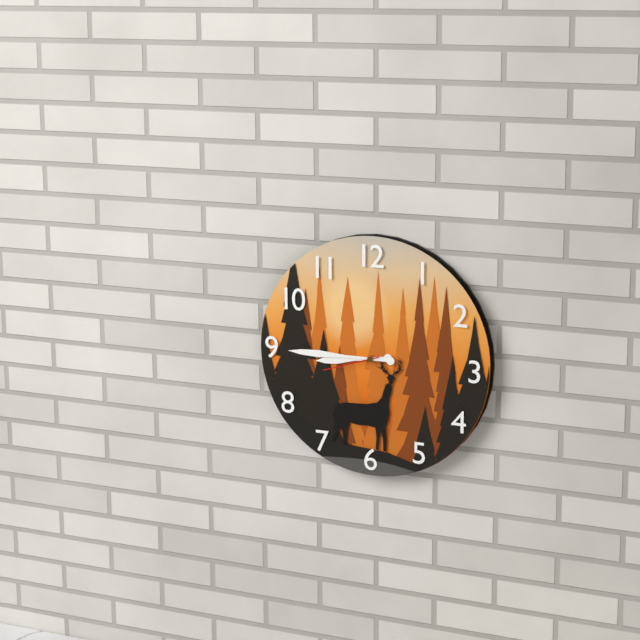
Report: {"hour": 8, "minute": 45, "second": 42}
